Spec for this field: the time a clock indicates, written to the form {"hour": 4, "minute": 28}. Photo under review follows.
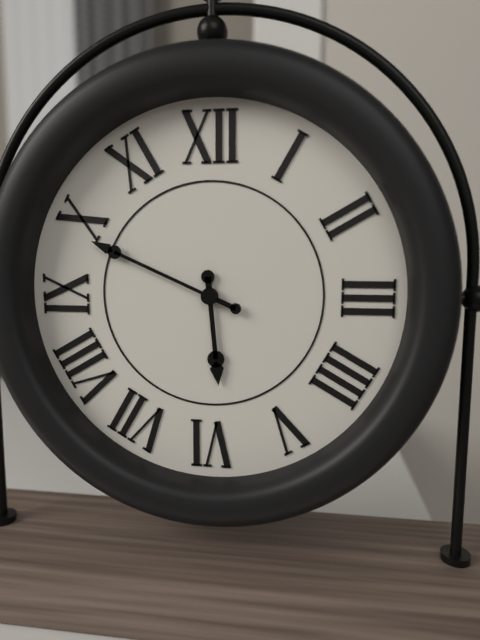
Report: {"hour": 5, "minute": 49}
